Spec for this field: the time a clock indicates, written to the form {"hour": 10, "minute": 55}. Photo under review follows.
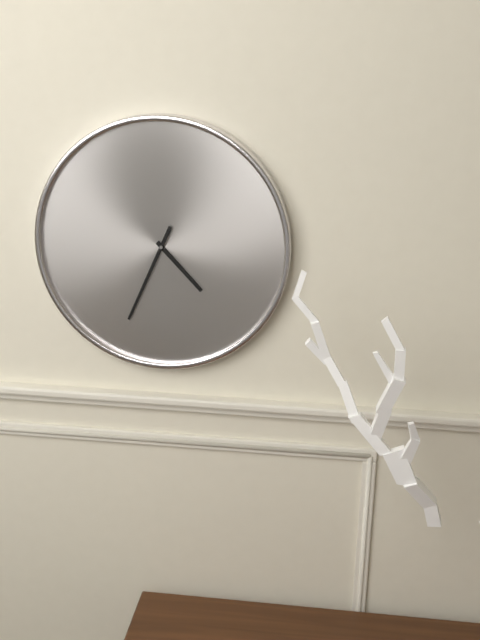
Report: {"hour": 4, "minute": 34}
